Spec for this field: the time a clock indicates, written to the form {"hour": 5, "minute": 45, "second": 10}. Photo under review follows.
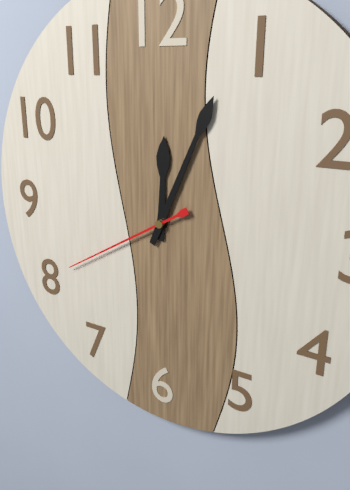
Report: {"hour": 12, "minute": 4, "second": 40}
